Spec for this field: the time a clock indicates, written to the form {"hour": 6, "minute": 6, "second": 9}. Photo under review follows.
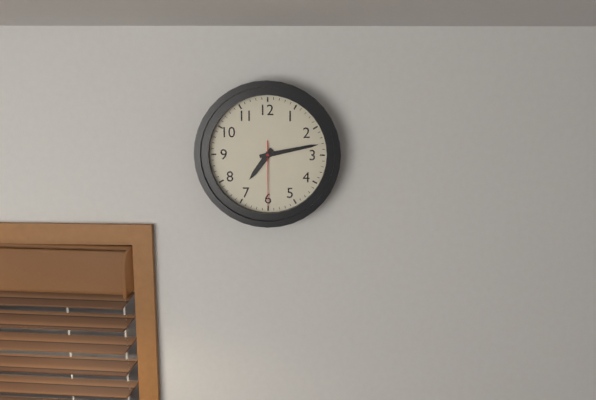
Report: {"hour": 7, "minute": 13, "second": 30}
